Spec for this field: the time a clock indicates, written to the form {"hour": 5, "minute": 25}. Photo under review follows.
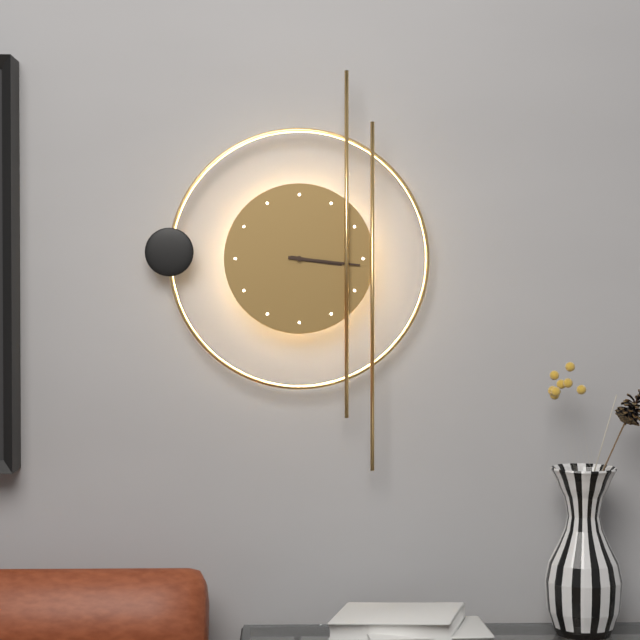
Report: {"hour": 3, "minute": 16}
